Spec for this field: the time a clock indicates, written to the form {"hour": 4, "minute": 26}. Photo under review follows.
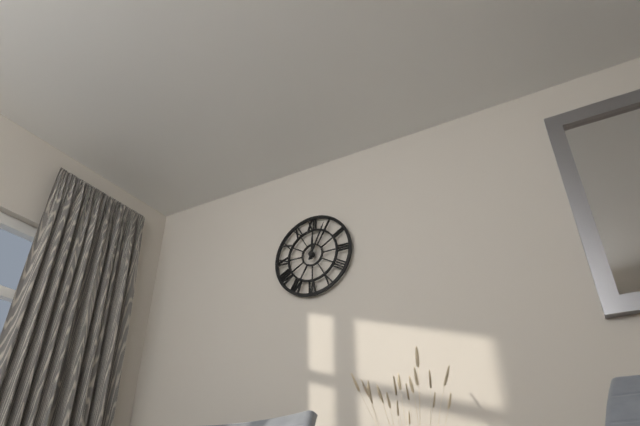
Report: {"hour": 12, "minute": 4}
